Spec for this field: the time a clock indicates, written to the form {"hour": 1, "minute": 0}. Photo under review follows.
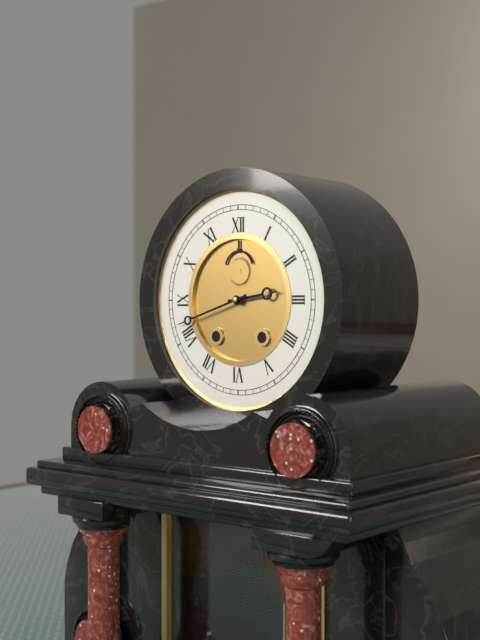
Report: {"hour": 2, "minute": 42}
